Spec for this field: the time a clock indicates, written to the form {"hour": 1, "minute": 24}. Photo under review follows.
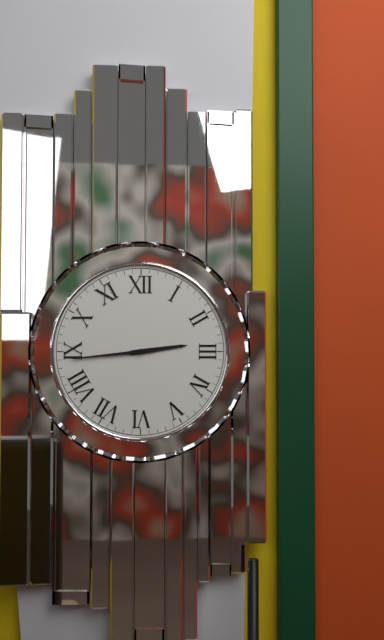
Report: {"hour": 2, "minute": 44}
